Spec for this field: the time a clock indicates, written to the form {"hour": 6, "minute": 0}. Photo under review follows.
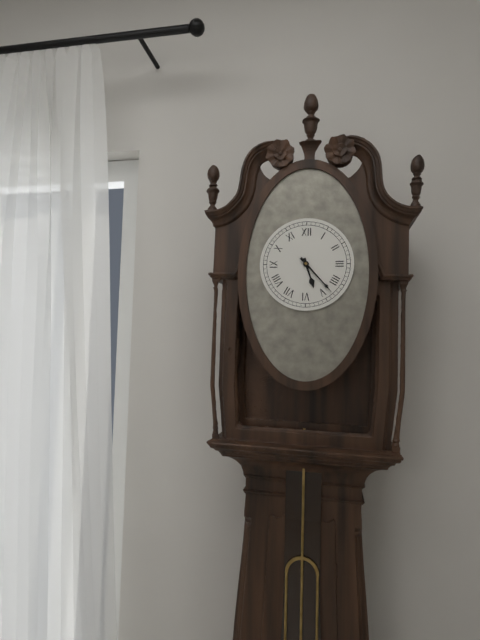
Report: {"hour": 5, "minute": 23}
